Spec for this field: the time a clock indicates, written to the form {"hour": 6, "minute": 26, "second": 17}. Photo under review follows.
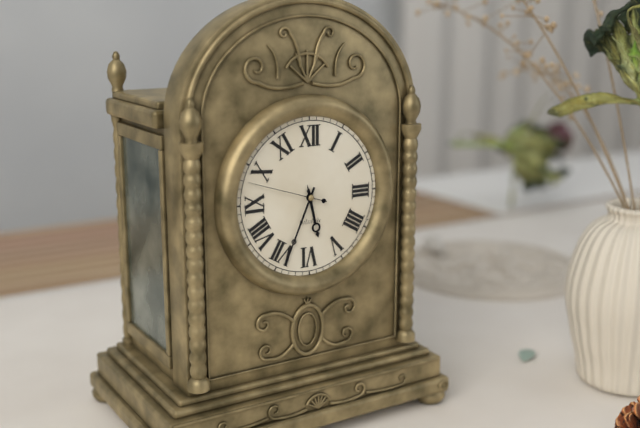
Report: {"hour": 5, "minute": 34, "second": 48}
